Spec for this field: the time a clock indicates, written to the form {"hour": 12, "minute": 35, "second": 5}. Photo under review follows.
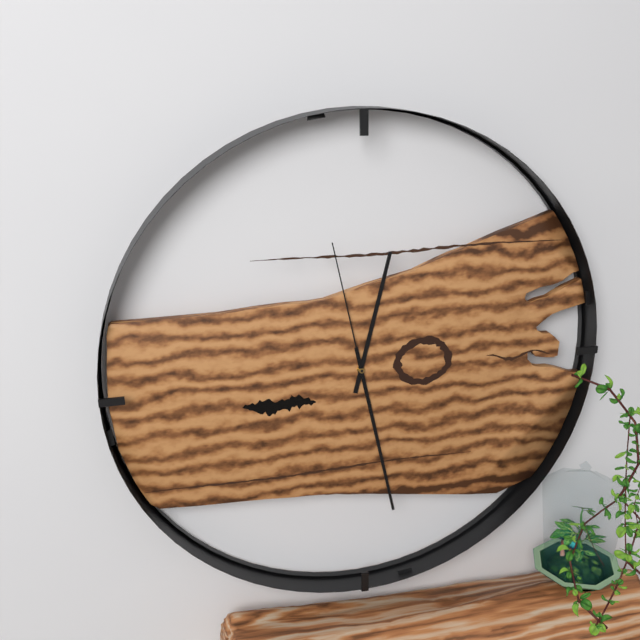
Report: {"hour": 12, "minute": 28, "second": 58}
